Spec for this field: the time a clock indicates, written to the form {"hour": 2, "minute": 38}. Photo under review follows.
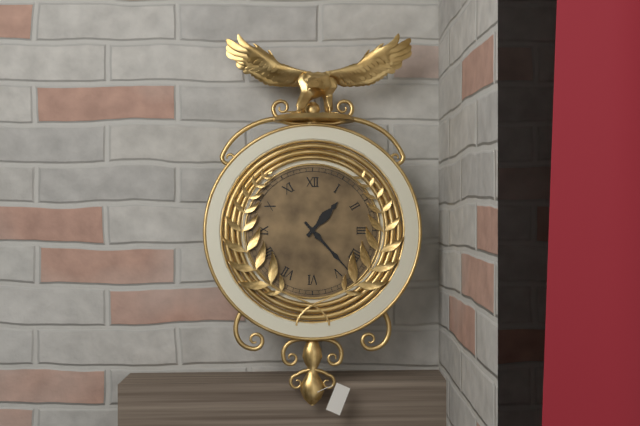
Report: {"hour": 1, "minute": 23}
